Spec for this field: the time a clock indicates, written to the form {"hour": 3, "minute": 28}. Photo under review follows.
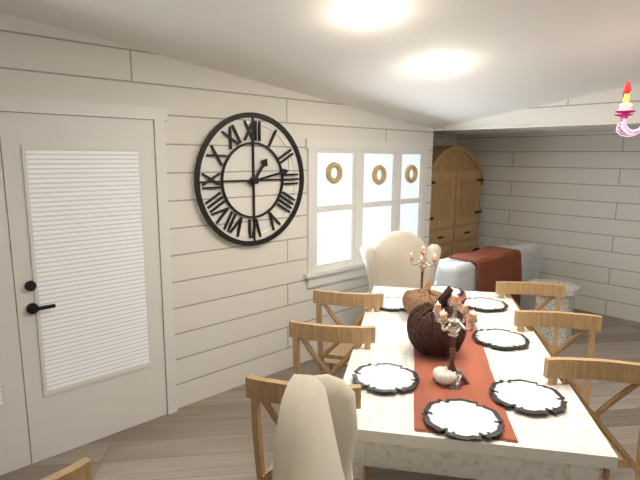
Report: {"hour": 1, "minute": 13}
